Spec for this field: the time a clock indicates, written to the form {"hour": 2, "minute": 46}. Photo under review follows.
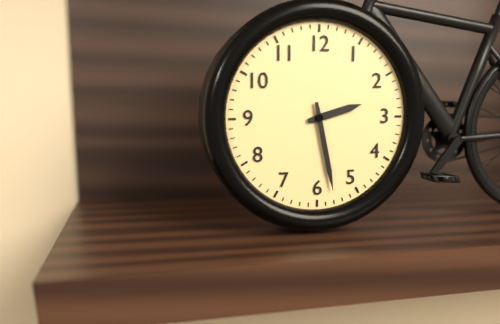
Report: {"hour": 2, "minute": 28}
